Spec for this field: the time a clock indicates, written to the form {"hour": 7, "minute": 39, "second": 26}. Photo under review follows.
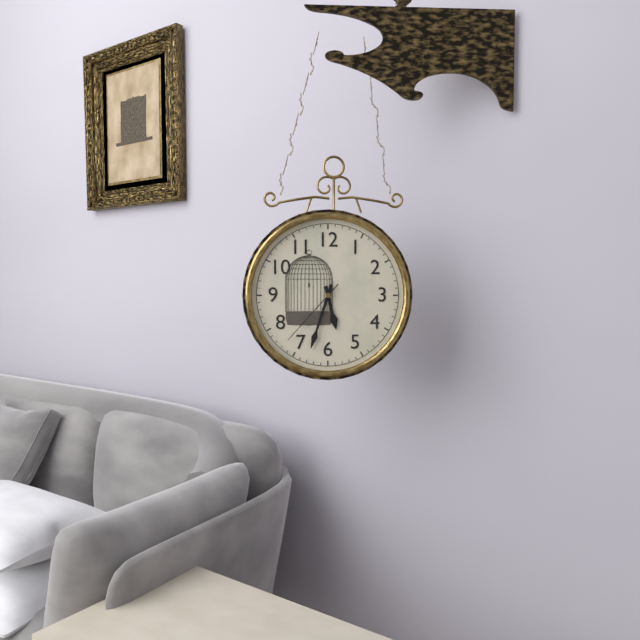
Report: {"hour": 5, "minute": 33, "second": 37}
